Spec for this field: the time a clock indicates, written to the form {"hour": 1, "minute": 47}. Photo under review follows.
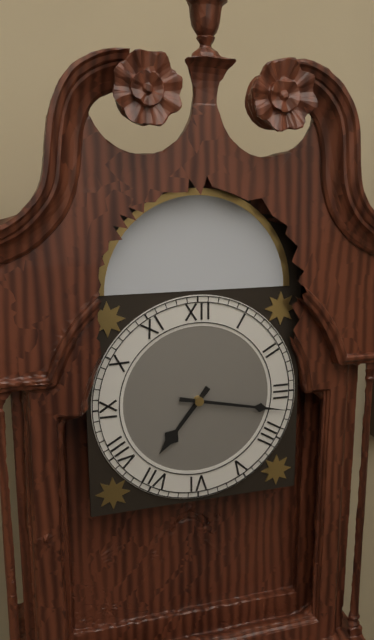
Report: {"hour": 7, "minute": 17}
